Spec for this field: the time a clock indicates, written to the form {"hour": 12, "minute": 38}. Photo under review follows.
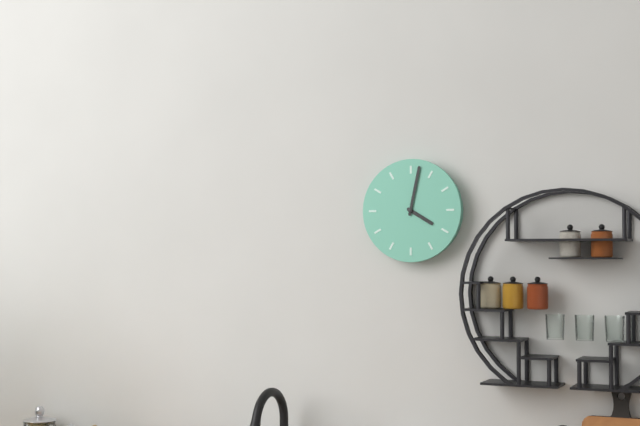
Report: {"hour": 4, "minute": 2}
